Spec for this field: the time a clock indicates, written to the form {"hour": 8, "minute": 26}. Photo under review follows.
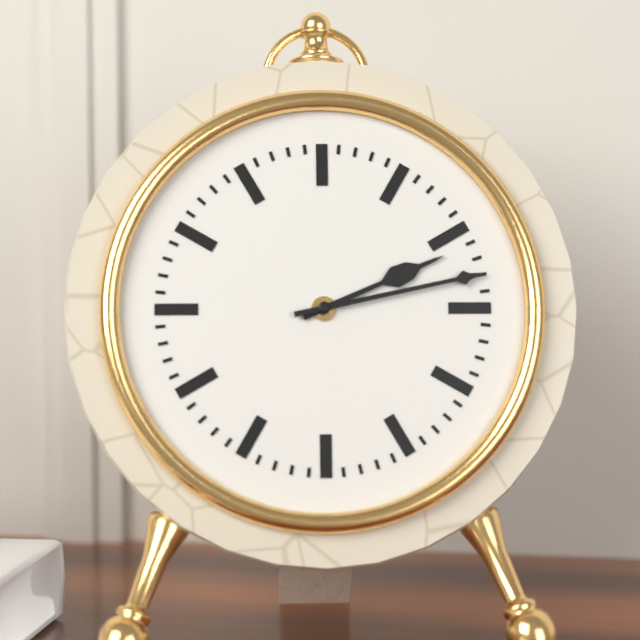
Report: {"hour": 2, "minute": 13}
